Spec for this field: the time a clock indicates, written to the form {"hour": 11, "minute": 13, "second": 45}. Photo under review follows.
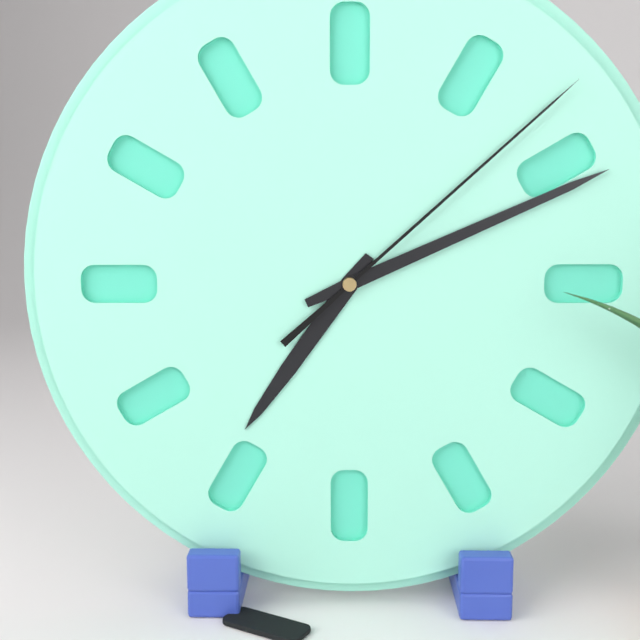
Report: {"hour": 7, "minute": 11, "second": 8}
